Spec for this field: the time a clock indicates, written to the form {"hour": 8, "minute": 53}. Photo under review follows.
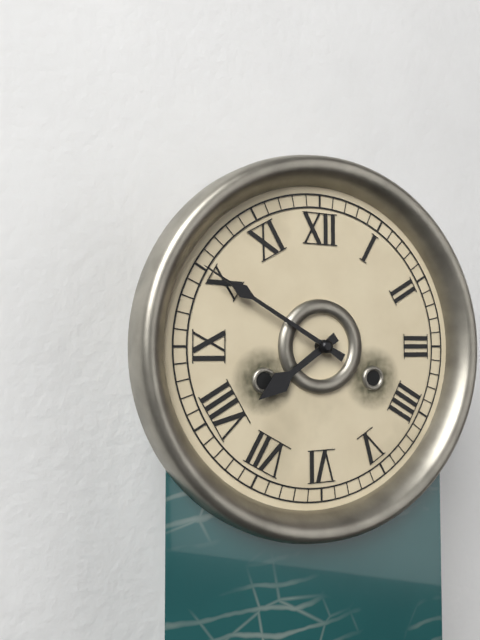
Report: {"hour": 7, "minute": 50}
